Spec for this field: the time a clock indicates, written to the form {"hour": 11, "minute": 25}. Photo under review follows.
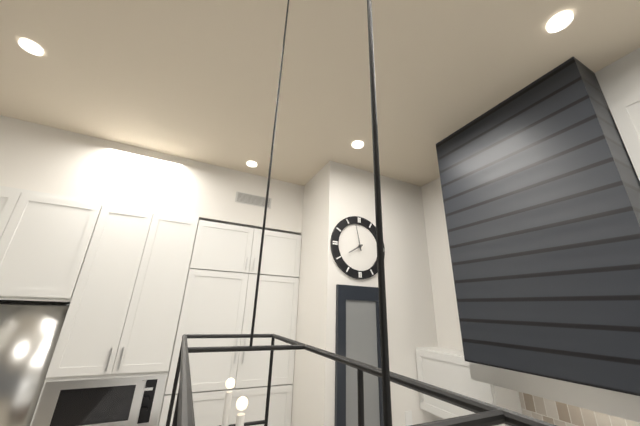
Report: {"hour": 7, "minute": 58}
